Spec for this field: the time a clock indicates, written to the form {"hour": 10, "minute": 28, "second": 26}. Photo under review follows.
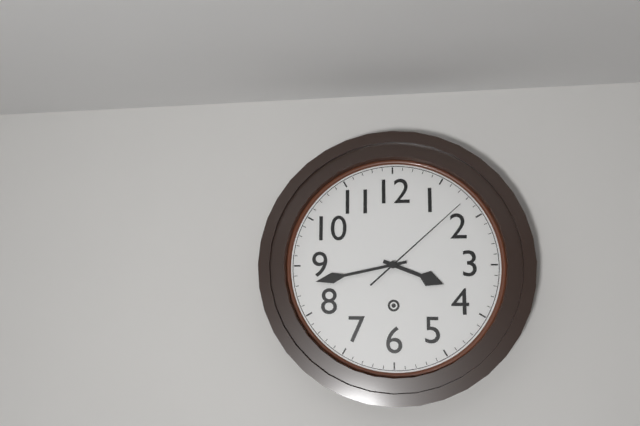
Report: {"hour": 3, "minute": 43, "second": 8}
